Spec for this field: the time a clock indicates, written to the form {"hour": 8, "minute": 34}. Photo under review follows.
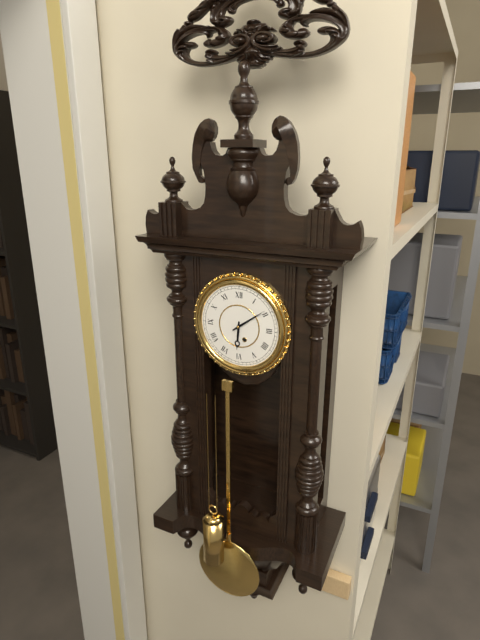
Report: {"hour": 6, "minute": 9}
